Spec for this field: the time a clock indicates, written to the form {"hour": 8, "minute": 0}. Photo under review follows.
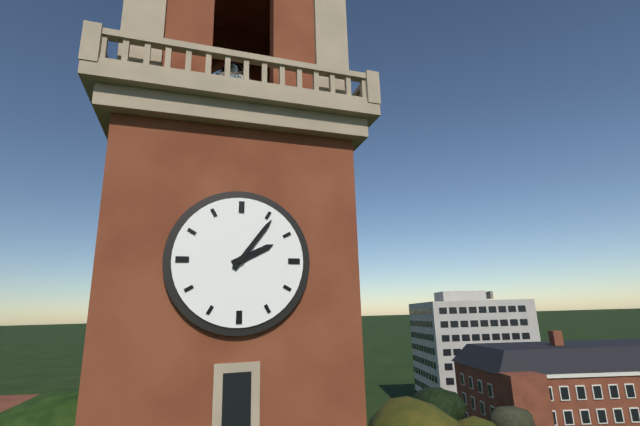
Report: {"hour": 2, "minute": 6}
